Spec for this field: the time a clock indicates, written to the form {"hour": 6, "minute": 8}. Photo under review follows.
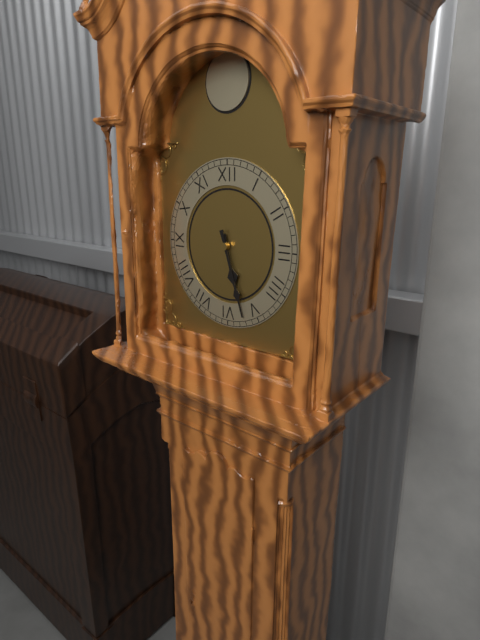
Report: {"hour": 5, "minute": 27}
